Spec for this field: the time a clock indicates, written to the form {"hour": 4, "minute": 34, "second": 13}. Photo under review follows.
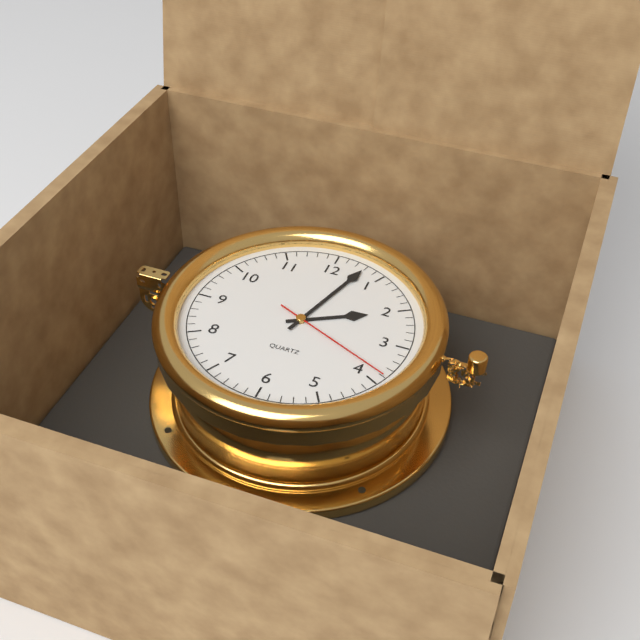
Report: {"hour": 2, "minute": 3, "second": 19}
